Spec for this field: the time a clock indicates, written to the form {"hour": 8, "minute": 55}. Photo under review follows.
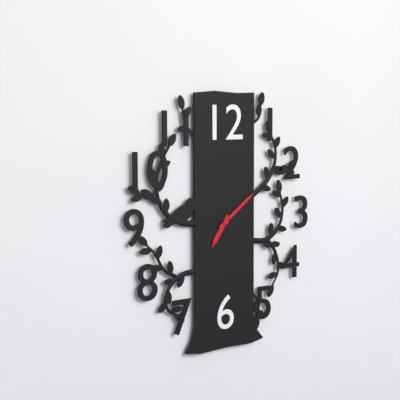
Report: {"hour": 7, "minute": 9}
